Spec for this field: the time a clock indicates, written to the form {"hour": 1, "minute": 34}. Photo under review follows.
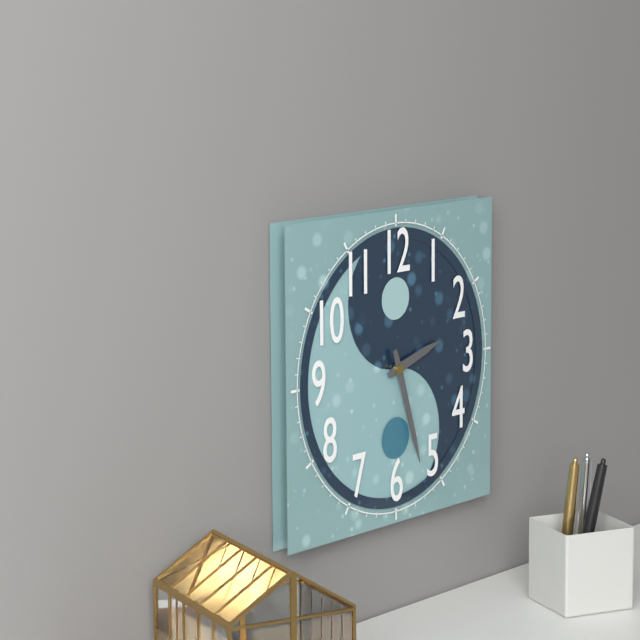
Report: {"hour": 2, "minute": 27}
